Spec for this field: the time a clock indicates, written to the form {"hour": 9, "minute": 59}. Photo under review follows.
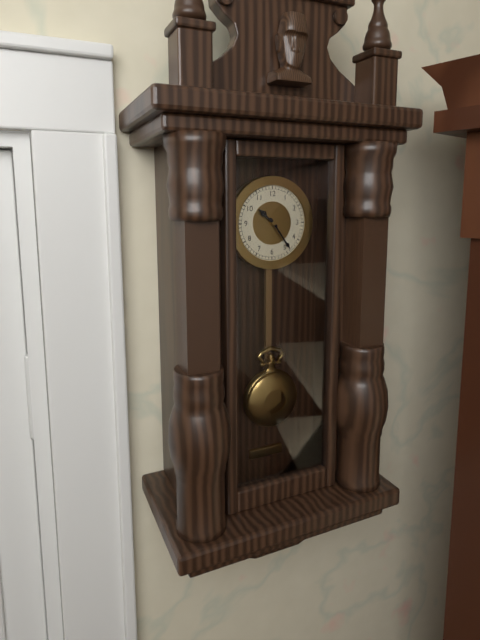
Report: {"hour": 10, "minute": 24}
